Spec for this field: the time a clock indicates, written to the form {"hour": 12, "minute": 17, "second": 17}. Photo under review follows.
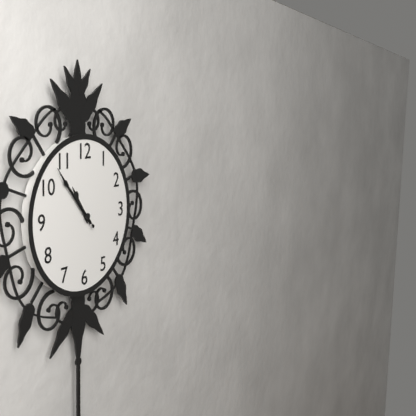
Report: {"hour": 10, "minute": 53, "second": 53}
